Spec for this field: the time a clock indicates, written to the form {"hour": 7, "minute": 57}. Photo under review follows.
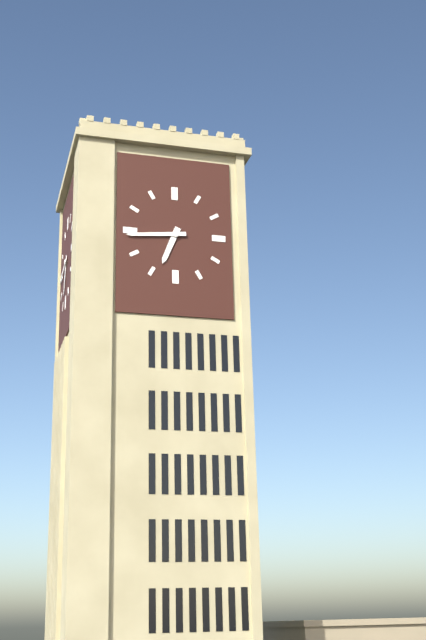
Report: {"hour": 6, "minute": 44}
